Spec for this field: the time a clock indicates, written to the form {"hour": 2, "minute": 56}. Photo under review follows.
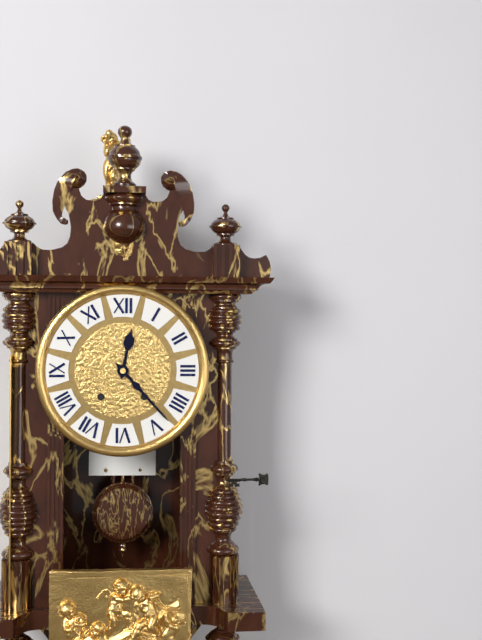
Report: {"hour": 12, "minute": 23}
